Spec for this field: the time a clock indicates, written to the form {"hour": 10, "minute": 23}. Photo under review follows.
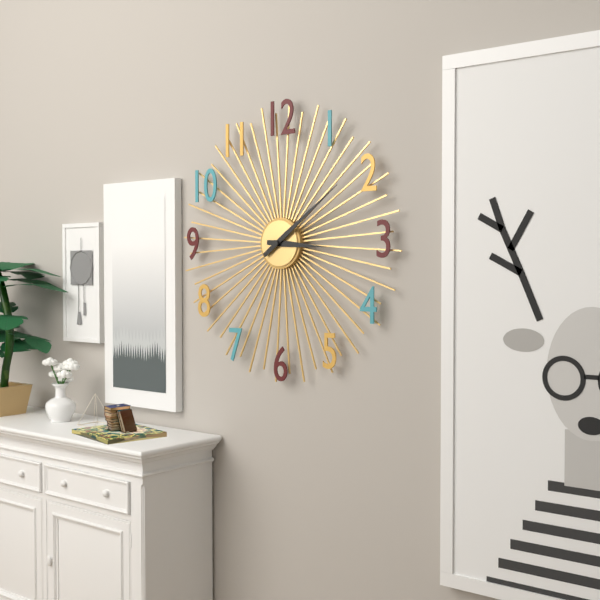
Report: {"hour": 3, "minute": 9}
